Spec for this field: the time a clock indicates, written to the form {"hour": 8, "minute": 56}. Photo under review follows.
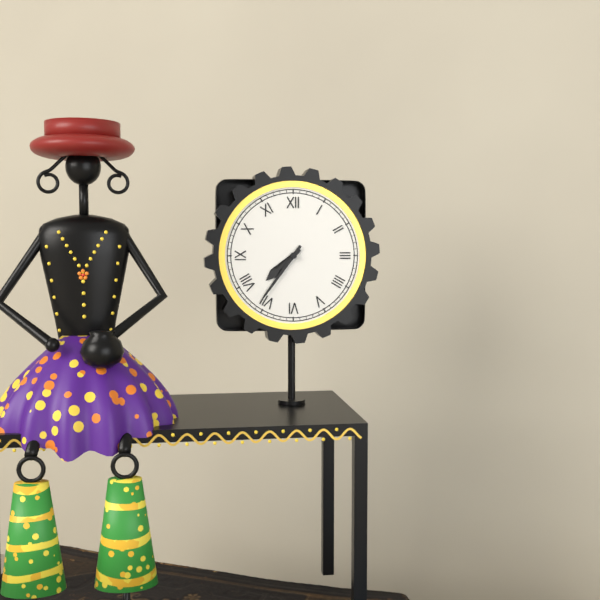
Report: {"hour": 7, "minute": 36}
